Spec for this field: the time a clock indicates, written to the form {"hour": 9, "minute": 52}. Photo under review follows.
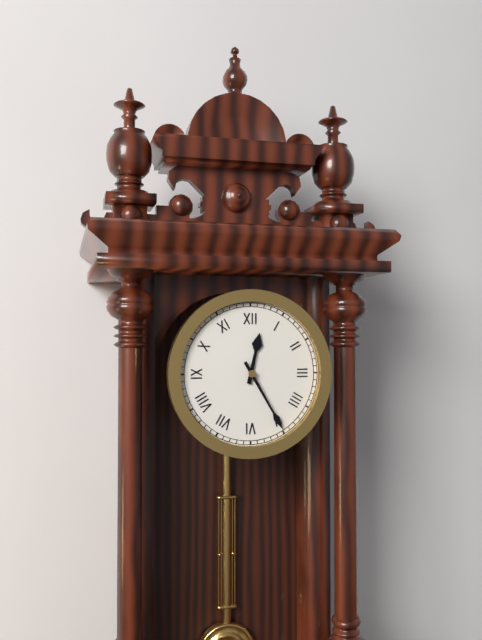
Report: {"hour": 12, "minute": 25}
